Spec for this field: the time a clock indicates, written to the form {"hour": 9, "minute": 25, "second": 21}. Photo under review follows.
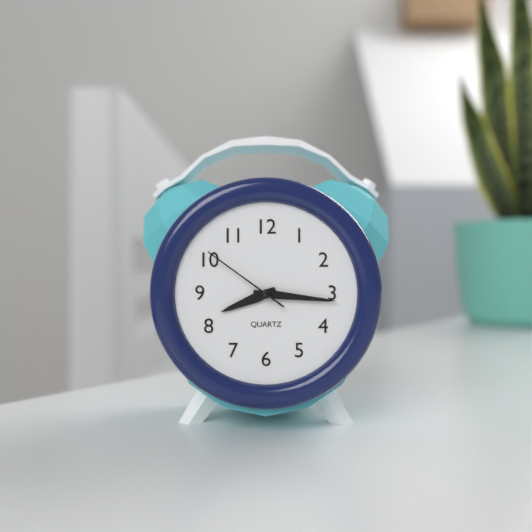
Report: {"hour": 8, "minute": 16, "second": 51}
